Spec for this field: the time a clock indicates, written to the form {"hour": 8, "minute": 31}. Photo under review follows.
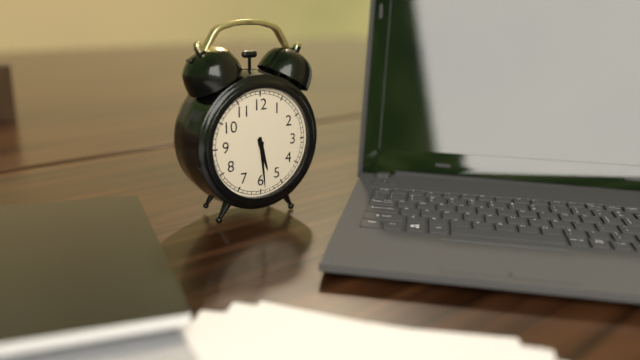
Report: {"hour": 5, "minute": 29}
